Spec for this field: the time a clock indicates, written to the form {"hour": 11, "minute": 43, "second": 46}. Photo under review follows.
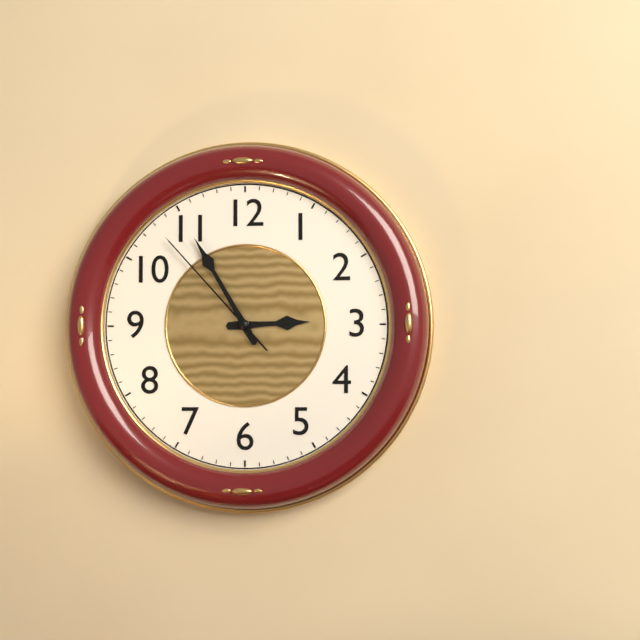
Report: {"hour": 2, "minute": 55, "second": 53}
